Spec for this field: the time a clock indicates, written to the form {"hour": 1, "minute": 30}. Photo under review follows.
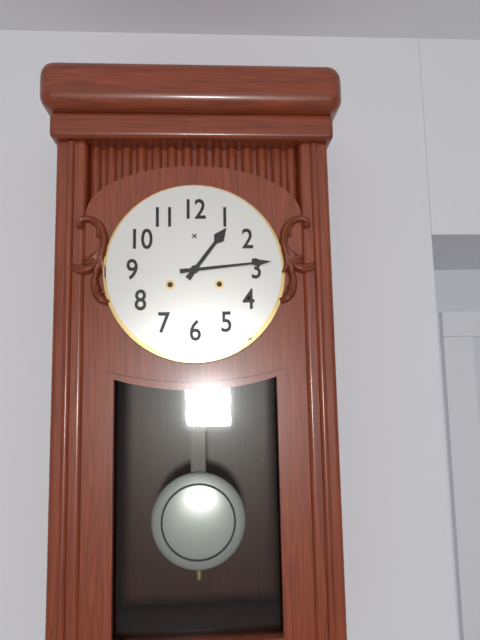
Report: {"hour": 1, "minute": 14}
